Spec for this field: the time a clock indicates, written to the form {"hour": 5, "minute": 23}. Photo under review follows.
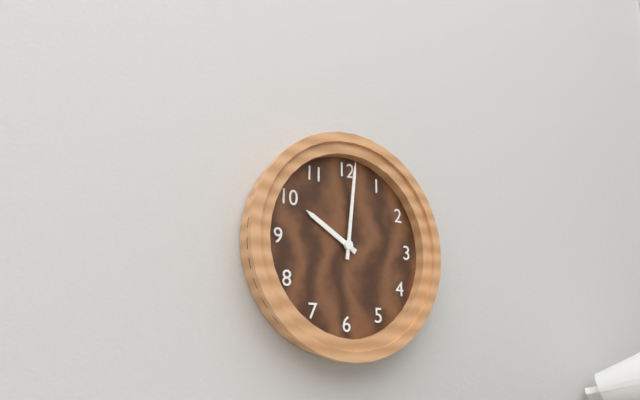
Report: {"hour": 10, "minute": 1}
